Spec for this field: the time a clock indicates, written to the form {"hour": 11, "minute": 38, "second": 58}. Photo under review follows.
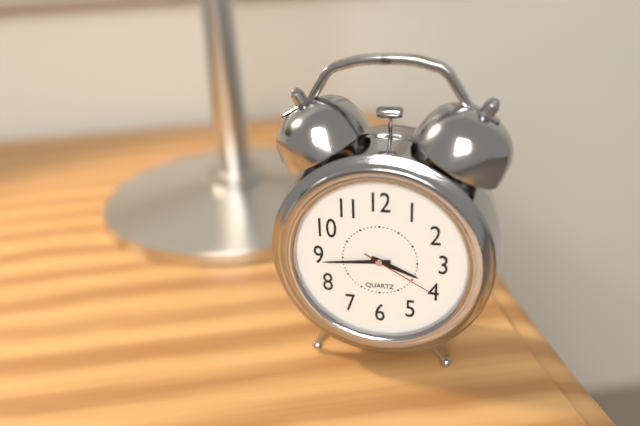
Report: {"hour": 3, "minute": 44, "second": 20}
